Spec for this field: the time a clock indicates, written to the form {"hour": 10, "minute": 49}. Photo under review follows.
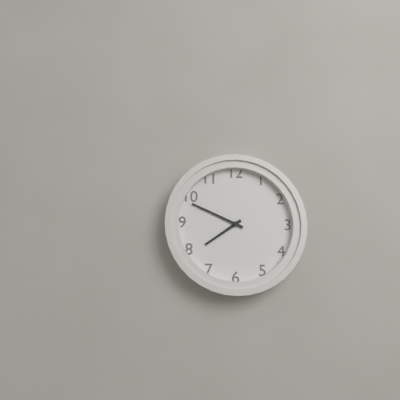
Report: {"hour": 7, "minute": 49}
